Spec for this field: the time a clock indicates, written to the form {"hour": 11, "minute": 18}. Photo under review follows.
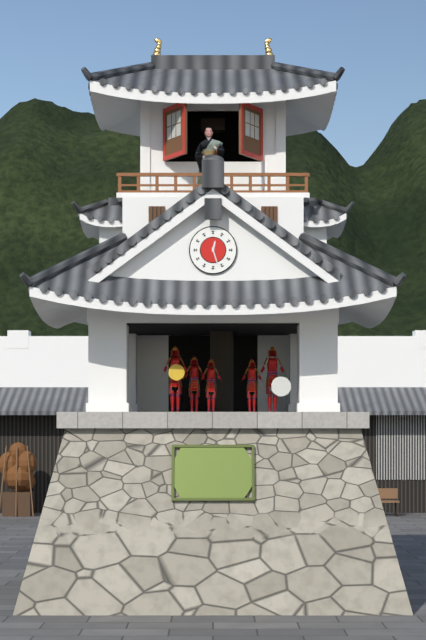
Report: {"hour": 12, "minute": 27}
